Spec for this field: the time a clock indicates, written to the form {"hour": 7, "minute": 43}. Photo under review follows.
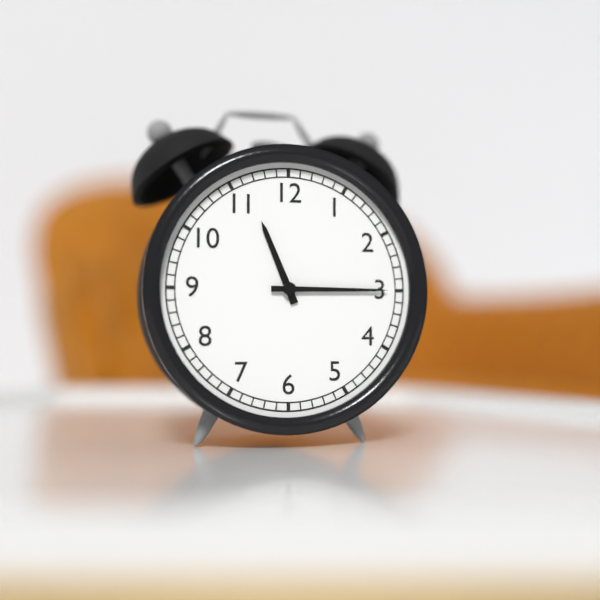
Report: {"hour": 11, "minute": 15}
